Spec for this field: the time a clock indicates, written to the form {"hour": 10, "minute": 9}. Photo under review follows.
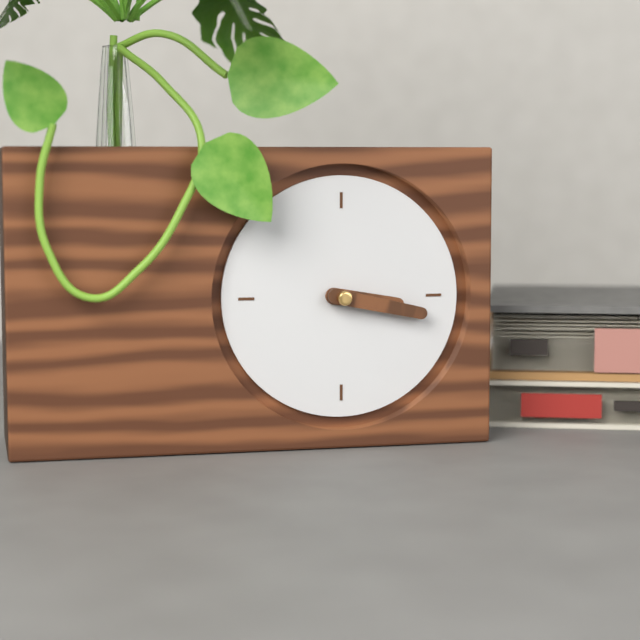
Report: {"hour": 3, "minute": 17}
